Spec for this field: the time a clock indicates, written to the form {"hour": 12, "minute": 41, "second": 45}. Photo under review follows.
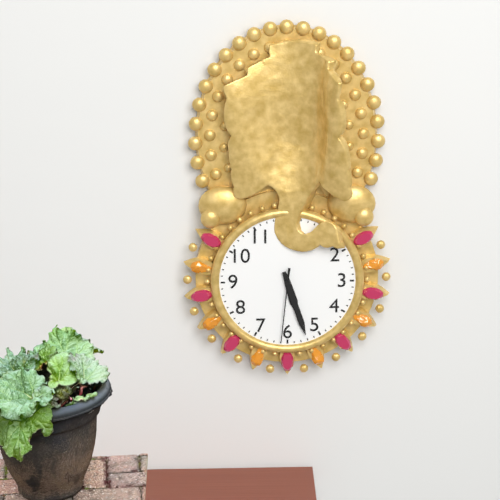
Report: {"hour": 5, "minute": 27, "second": 31}
